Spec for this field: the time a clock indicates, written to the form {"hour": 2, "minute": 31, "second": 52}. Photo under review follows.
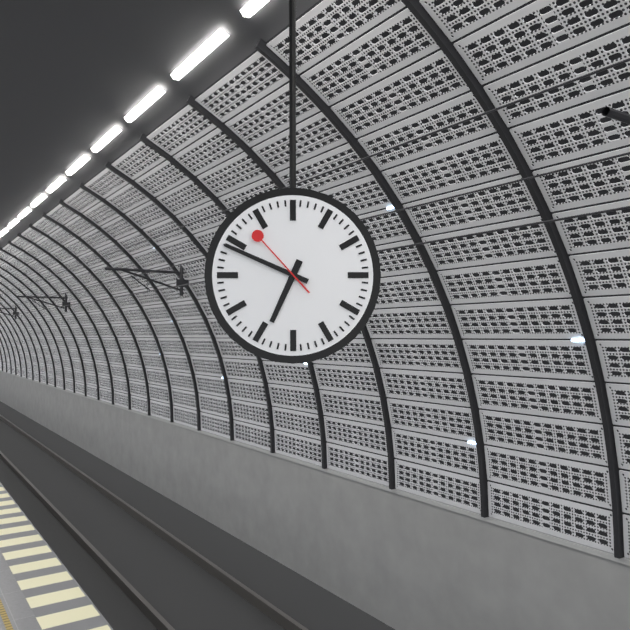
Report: {"hour": 6, "minute": 49, "second": 53}
